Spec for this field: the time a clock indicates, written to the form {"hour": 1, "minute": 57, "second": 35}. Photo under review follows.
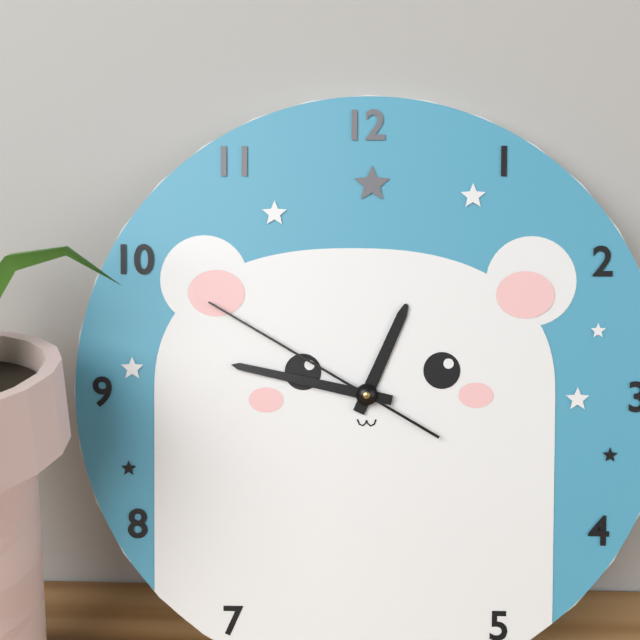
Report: {"hour": 12, "minute": 47, "second": 50}
